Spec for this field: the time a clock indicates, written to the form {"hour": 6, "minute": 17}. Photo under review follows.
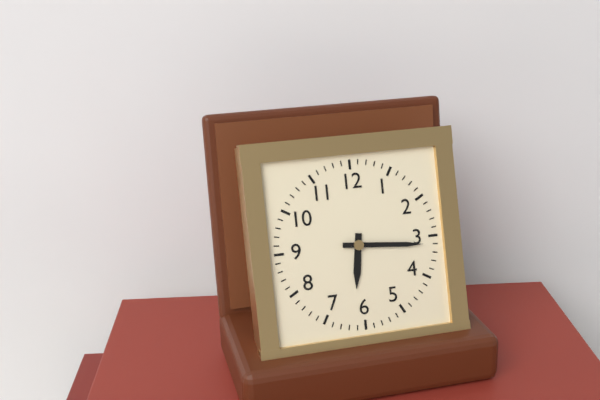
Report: {"hour": 6, "minute": 16}
